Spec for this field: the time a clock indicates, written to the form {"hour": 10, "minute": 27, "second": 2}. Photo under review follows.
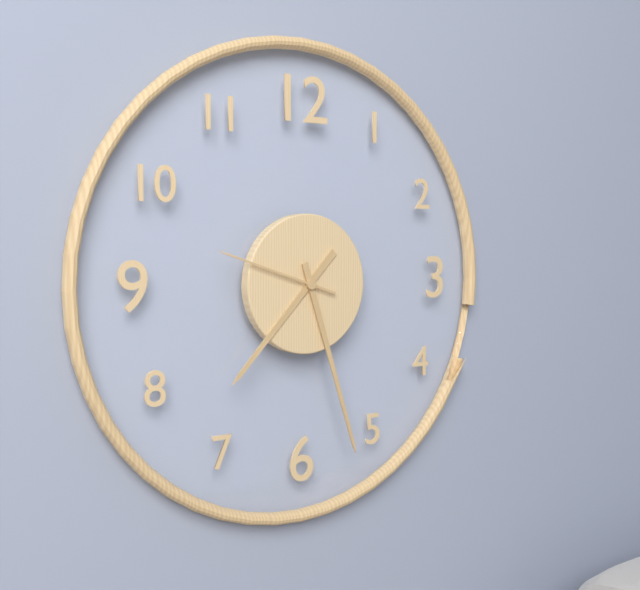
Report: {"hour": 7, "minute": 27, "second": 48}
